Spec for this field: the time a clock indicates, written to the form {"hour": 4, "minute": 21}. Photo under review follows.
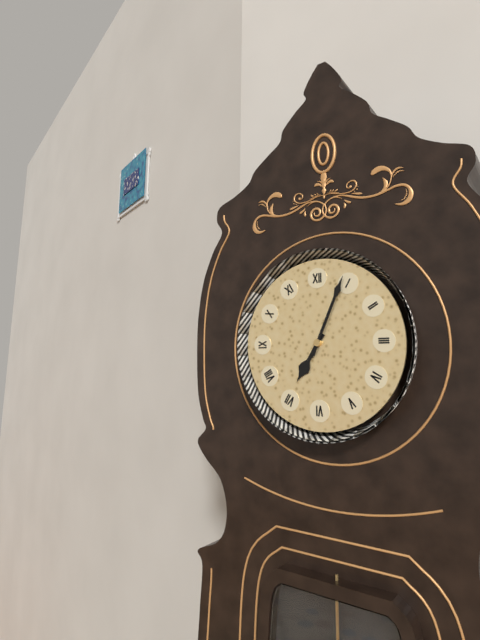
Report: {"hour": 7, "minute": 4}
